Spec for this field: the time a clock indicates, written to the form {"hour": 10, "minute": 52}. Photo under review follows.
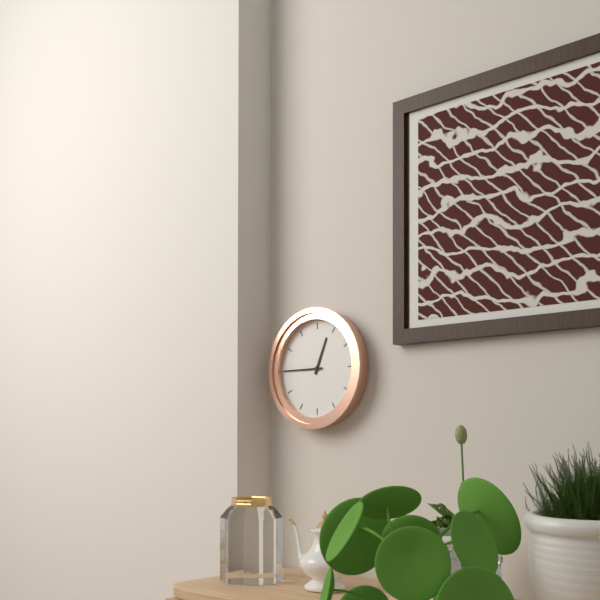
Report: {"hour": 12, "minute": 45}
